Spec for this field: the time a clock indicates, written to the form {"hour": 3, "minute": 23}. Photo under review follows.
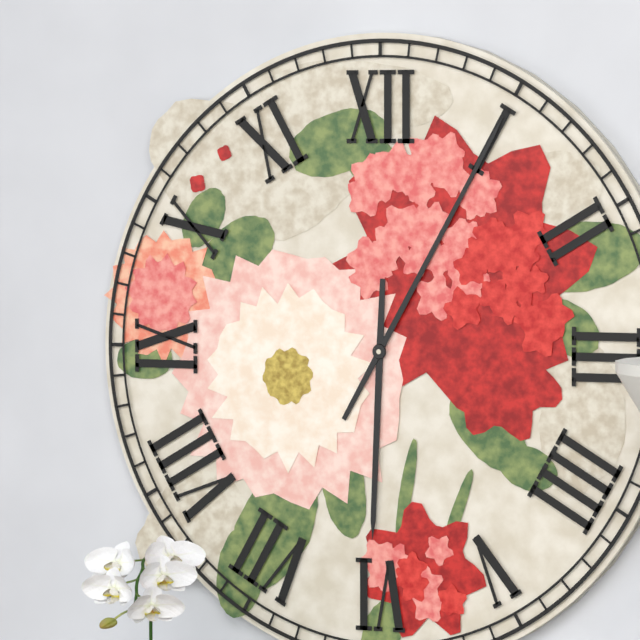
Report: {"hour": 6, "minute": 5}
